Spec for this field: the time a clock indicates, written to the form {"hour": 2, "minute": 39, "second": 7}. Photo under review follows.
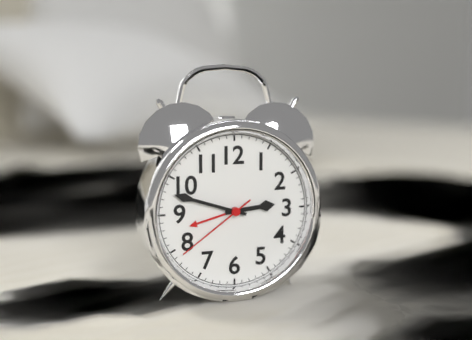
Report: {"hour": 2, "minute": 48, "second": 39}
